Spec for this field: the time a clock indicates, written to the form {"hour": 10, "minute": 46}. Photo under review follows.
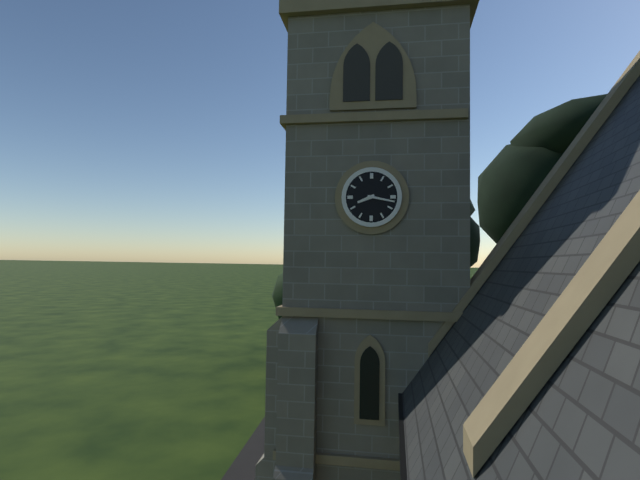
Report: {"hour": 8, "minute": 17}
